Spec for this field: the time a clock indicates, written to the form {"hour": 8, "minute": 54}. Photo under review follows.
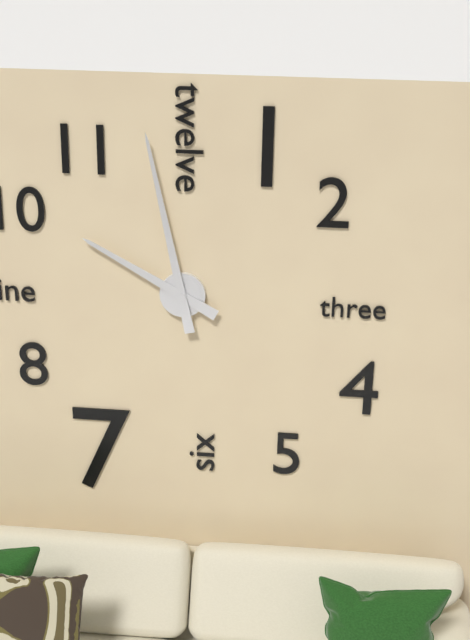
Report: {"hour": 9, "minute": 58}
